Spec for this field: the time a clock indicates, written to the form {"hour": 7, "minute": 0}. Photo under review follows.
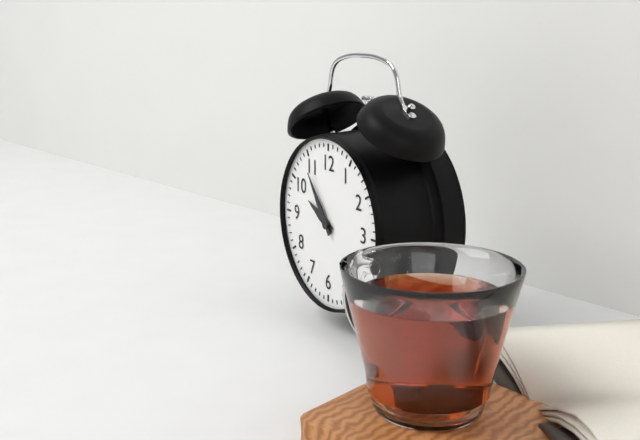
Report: {"hour": 9, "minute": 54}
